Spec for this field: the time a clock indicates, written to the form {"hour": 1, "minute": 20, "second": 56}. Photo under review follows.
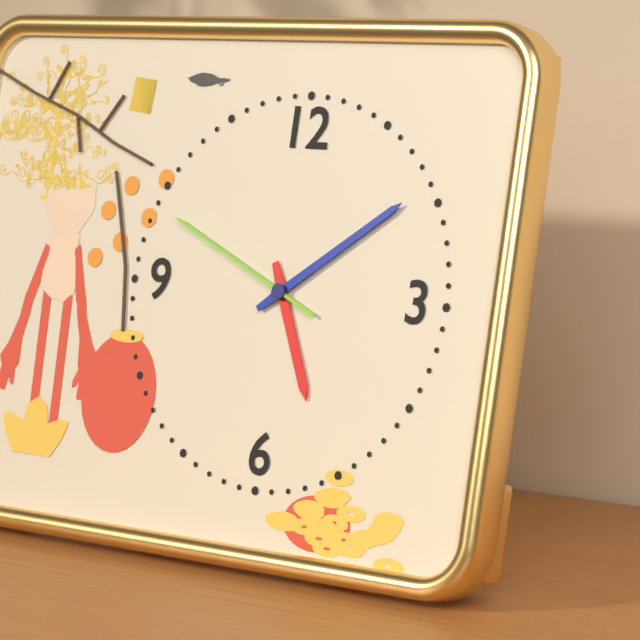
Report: {"hour": 5, "minute": 9, "second": 49}
